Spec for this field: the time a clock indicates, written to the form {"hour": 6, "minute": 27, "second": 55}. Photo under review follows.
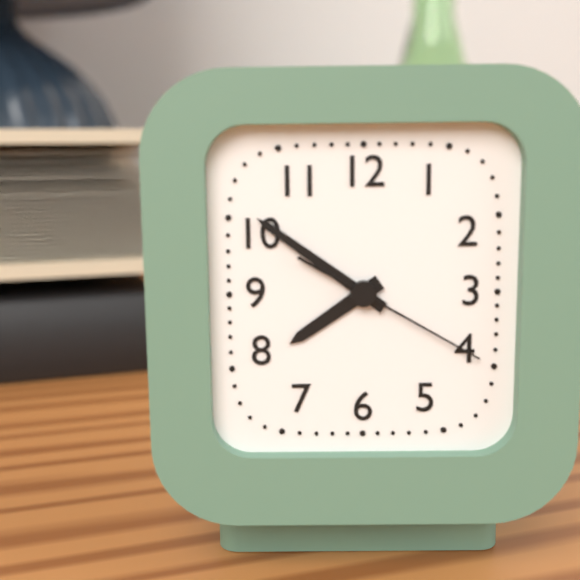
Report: {"hour": 7, "minute": 51, "second": 20}
